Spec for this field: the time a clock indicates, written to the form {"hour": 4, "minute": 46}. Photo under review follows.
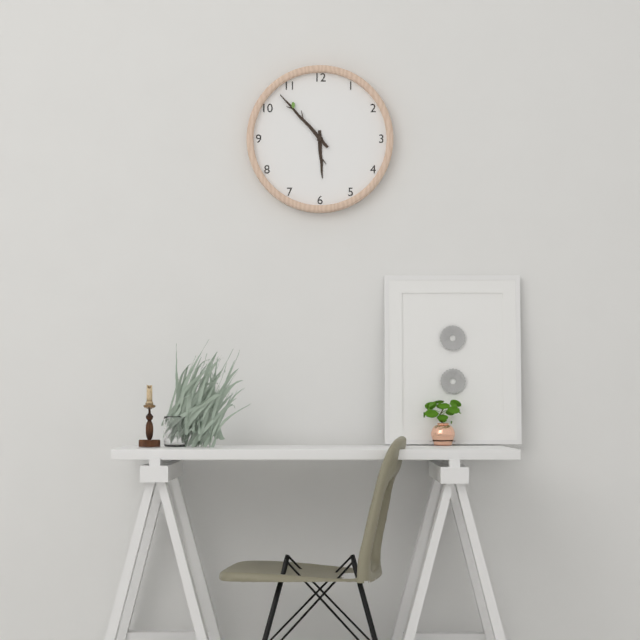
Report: {"hour": 5, "minute": 53}
